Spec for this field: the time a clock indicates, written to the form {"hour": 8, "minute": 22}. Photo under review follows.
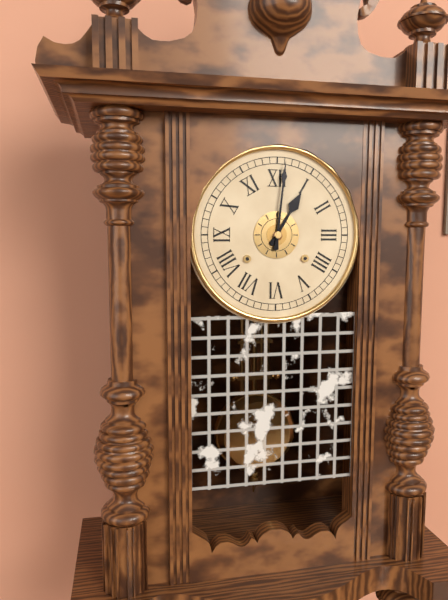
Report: {"hour": 1, "minute": 1}
